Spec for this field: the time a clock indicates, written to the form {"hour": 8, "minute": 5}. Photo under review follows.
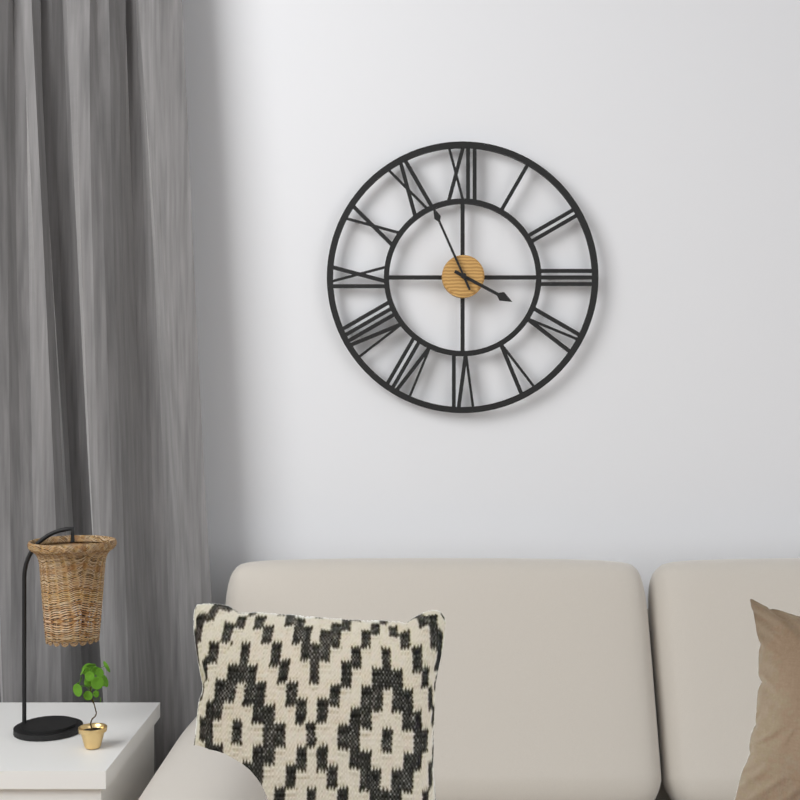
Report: {"hour": 3, "minute": 56}
